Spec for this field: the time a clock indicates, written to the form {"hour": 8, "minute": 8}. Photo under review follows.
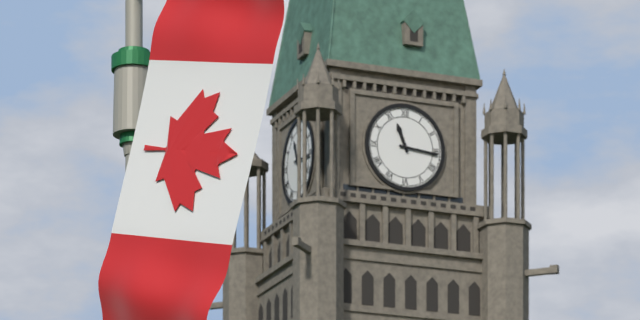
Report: {"hour": 11, "minute": 16}
